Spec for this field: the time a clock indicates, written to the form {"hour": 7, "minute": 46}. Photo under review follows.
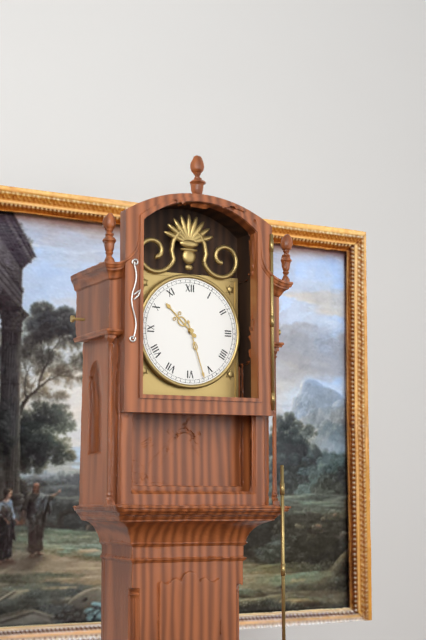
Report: {"hour": 10, "minute": 27}
